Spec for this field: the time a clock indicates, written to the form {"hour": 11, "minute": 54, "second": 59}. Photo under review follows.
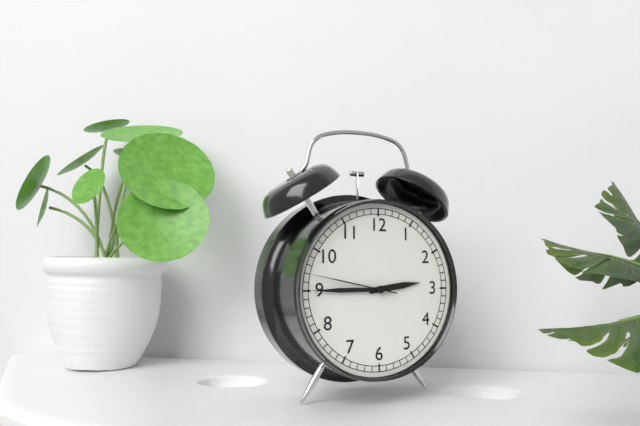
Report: {"hour": 2, "minute": 45, "second": 47}
